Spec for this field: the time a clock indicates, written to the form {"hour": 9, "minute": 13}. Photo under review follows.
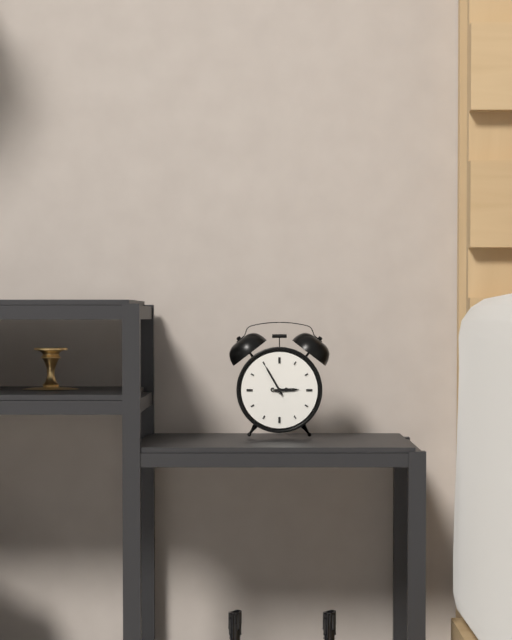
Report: {"hour": 2, "minute": 55}
